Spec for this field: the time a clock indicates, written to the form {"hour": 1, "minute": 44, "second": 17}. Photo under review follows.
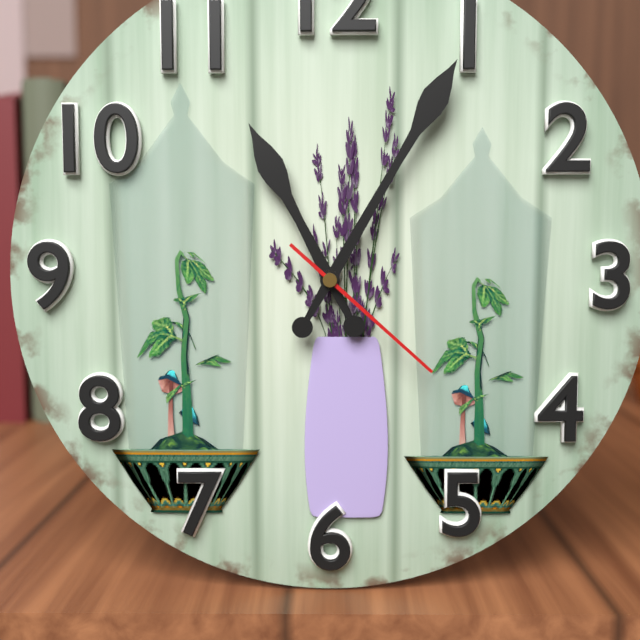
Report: {"hour": 11, "minute": 5, "second": 22}
